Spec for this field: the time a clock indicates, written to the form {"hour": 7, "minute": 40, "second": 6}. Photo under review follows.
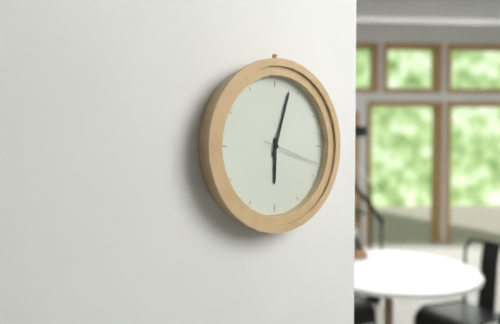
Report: {"hour": 6, "minute": 3, "second": 18}
